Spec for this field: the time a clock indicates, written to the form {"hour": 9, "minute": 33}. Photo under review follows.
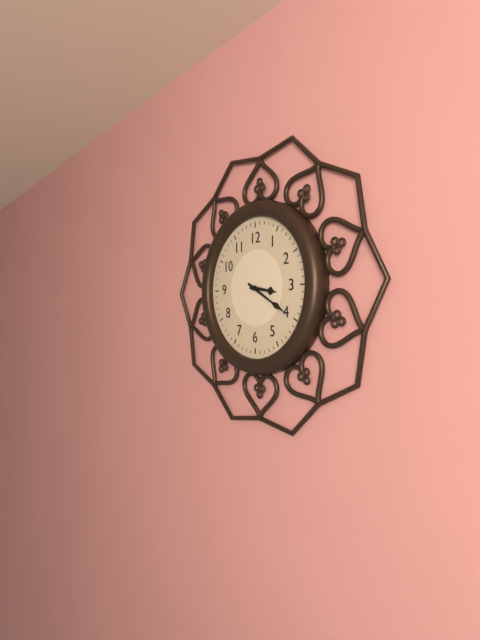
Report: {"hour": 3, "minute": 20}
